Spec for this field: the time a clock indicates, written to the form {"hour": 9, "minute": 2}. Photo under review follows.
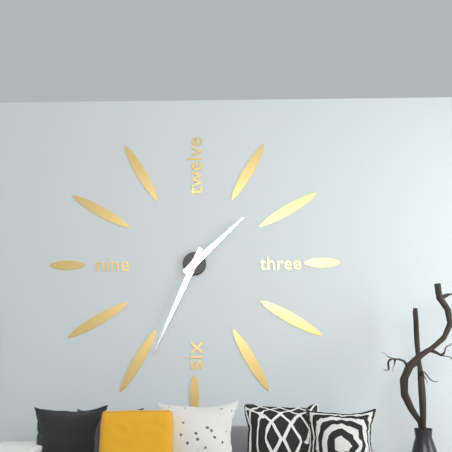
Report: {"hour": 1, "minute": 34}
